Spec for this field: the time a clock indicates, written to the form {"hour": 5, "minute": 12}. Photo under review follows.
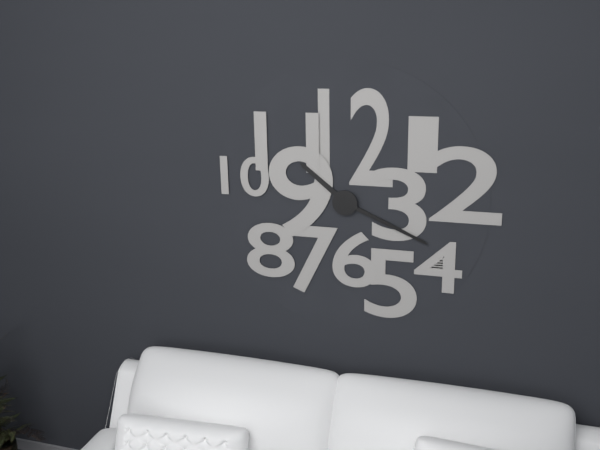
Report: {"hour": 10, "minute": 19}
